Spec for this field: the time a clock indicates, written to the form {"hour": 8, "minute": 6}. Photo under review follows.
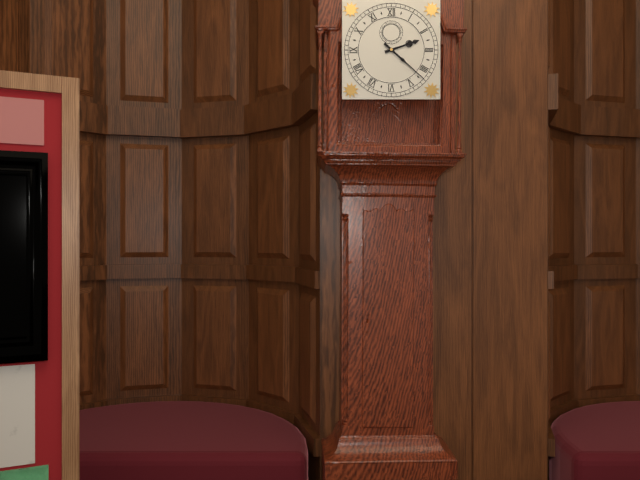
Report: {"hour": 2, "minute": 22}
